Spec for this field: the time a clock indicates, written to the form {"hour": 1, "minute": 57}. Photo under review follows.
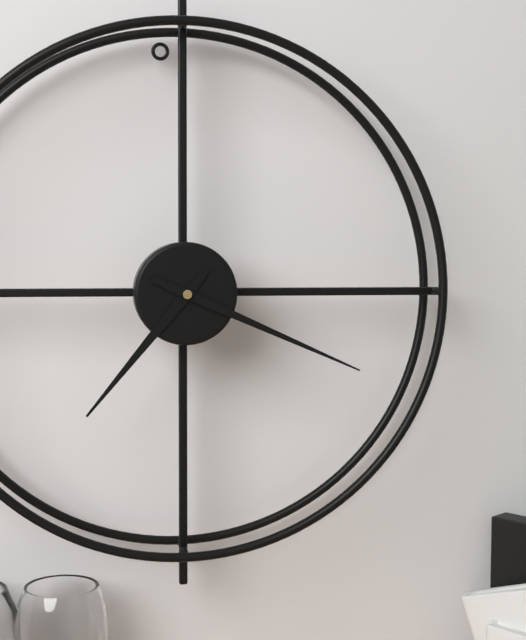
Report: {"hour": 7, "minute": 19}
